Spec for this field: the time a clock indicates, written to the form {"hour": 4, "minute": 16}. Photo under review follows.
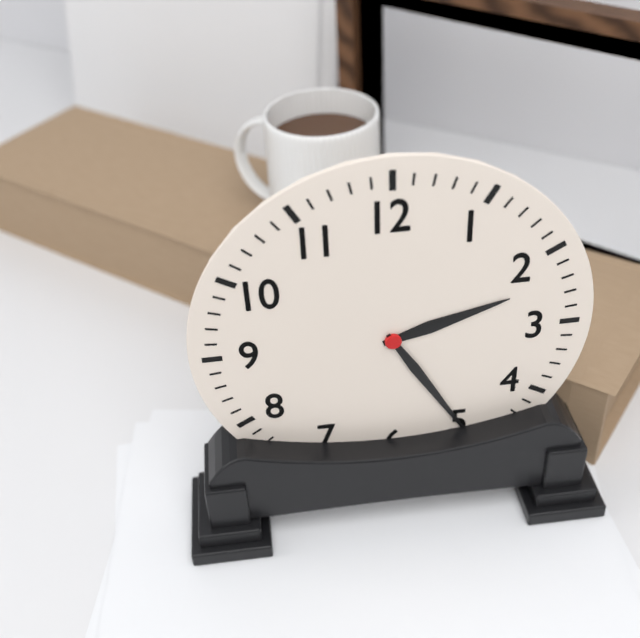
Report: {"hour": 2, "minute": 25}
